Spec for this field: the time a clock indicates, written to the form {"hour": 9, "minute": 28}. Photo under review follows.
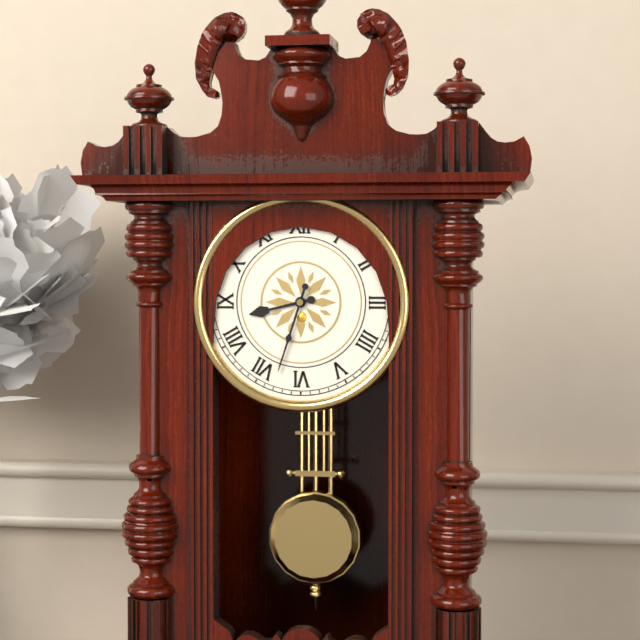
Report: {"hour": 8, "minute": 33}
